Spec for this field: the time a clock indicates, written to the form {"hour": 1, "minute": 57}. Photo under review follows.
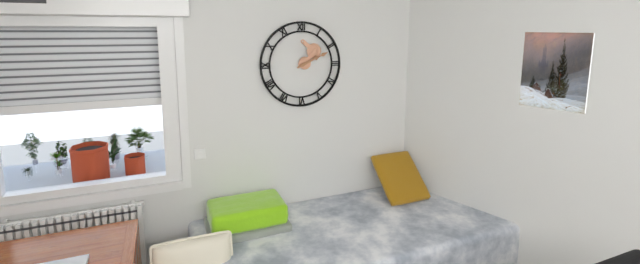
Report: {"hour": 2, "minute": 11}
